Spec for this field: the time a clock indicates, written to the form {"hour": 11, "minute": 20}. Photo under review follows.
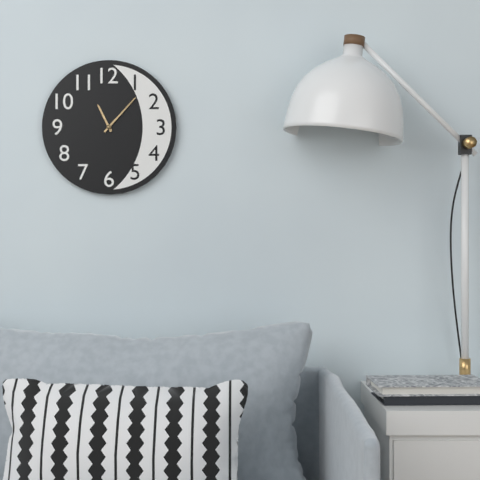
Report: {"hour": 11, "minute": 7}
